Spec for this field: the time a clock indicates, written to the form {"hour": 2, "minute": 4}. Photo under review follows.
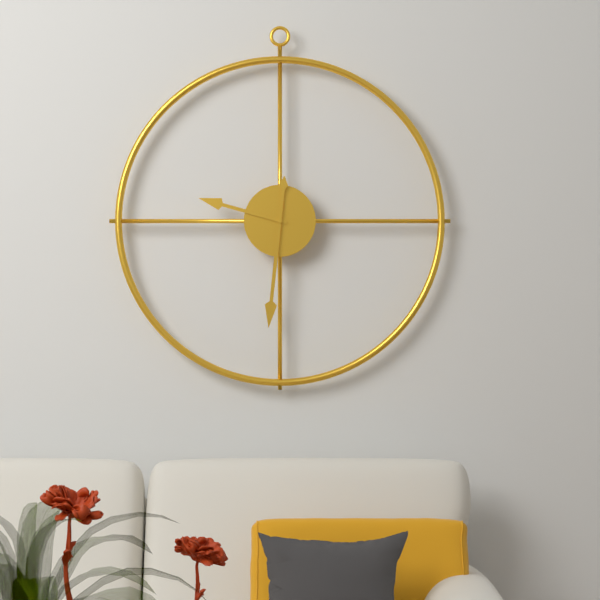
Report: {"hour": 9, "minute": 31}
